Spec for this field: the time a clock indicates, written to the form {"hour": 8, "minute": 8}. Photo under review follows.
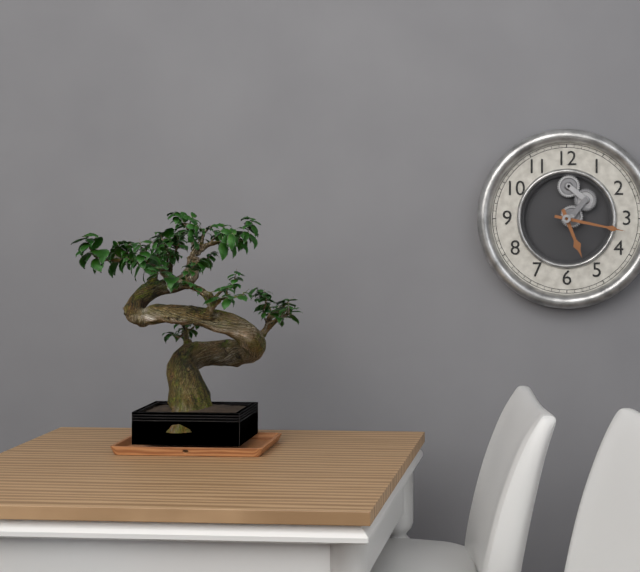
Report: {"hour": 5, "minute": 17}
